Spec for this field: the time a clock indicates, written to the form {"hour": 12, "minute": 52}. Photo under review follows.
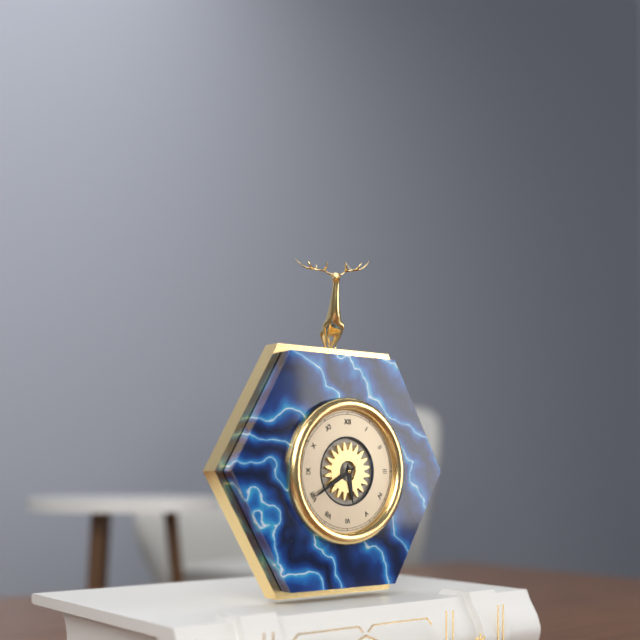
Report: {"hour": 5, "minute": 40}
